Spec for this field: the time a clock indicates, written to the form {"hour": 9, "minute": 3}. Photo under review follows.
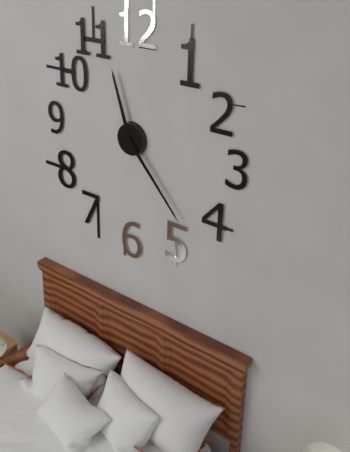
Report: {"hour": 11, "minute": 23}
